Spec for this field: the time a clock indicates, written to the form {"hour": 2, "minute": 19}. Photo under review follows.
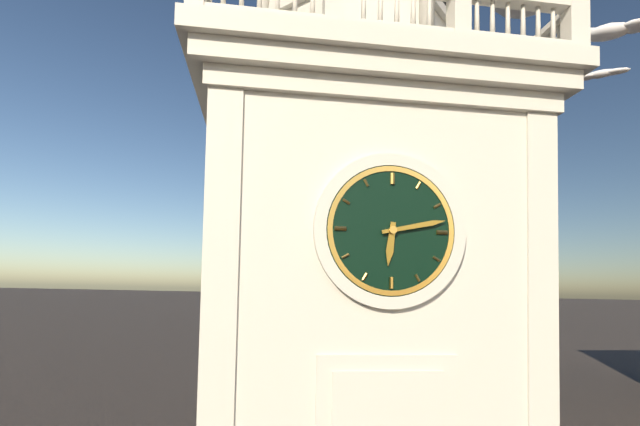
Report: {"hour": 6, "minute": 13}
